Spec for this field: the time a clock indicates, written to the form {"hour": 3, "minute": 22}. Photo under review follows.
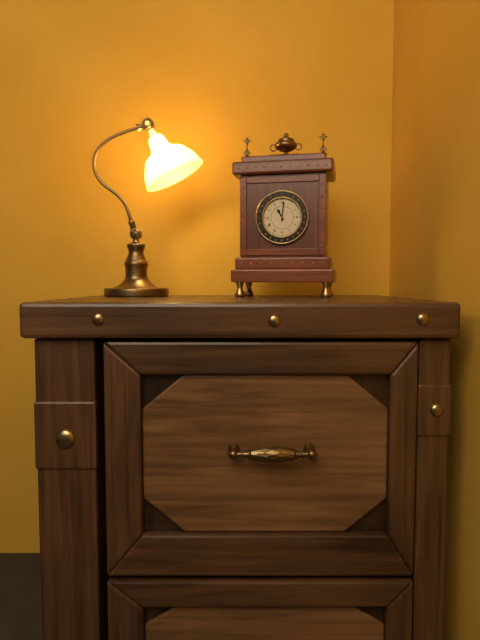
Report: {"hour": 11, "minute": 1}
